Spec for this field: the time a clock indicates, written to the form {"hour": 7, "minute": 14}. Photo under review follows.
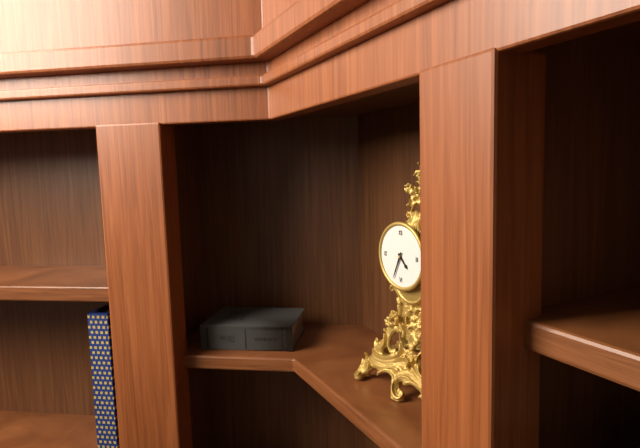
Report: {"hour": 4, "minute": 34}
